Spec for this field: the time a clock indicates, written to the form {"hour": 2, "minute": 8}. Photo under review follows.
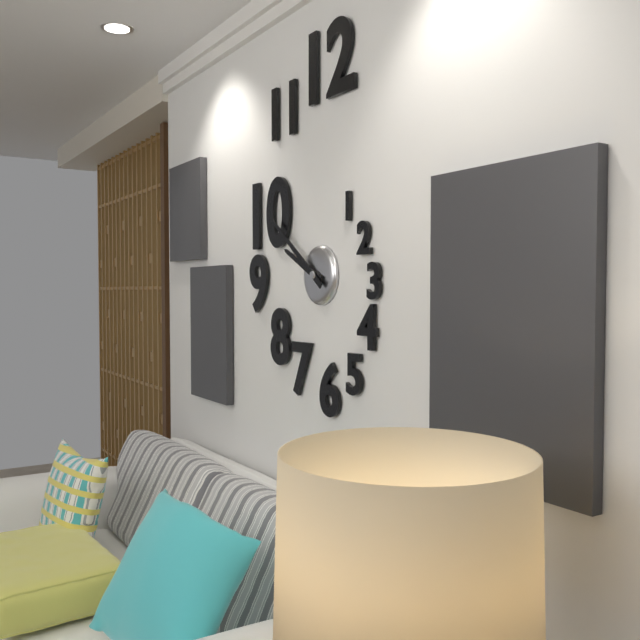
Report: {"hour": 9, "minute": 51}
